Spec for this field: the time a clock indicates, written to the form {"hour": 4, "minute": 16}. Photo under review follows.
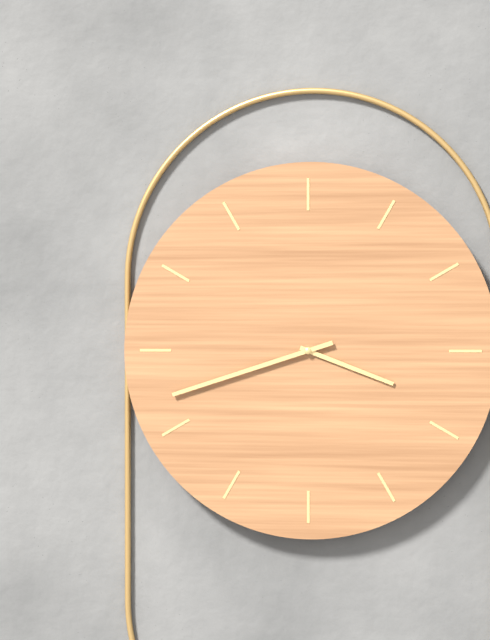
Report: {"hour": 3, "minute": 42}
